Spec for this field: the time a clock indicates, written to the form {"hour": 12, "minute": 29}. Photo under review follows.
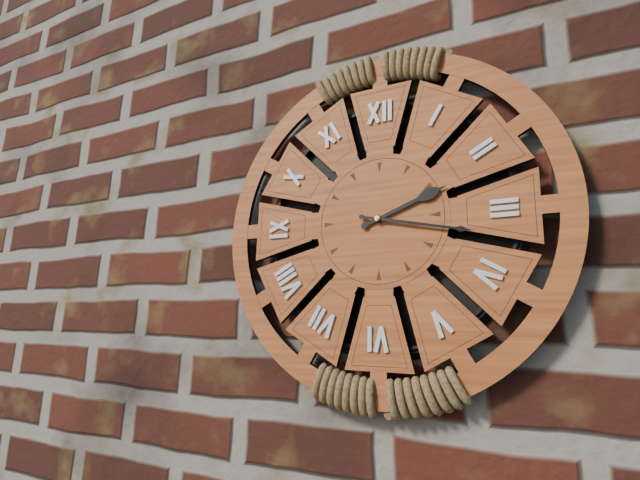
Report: {"hour": 2, "minute": 17}
